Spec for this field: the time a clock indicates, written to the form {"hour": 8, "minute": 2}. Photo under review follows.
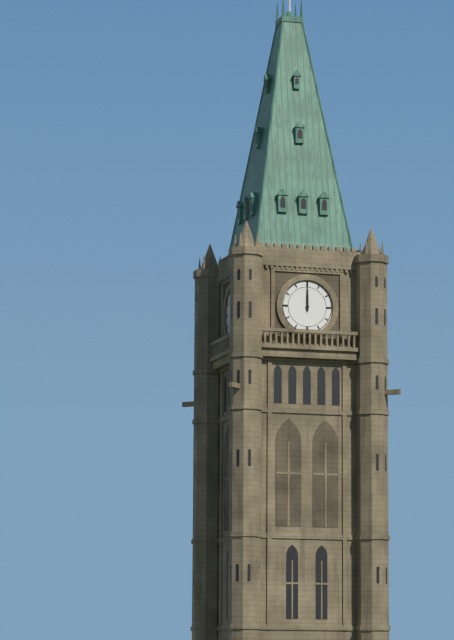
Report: {"hour": 12, "minute": 0}
